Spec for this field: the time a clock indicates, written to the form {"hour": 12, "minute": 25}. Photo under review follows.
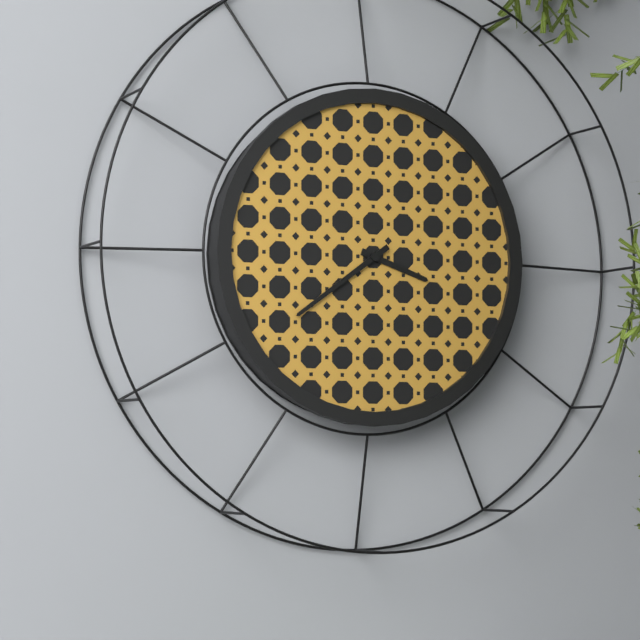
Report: {"hour": 3, "minute": 39}
